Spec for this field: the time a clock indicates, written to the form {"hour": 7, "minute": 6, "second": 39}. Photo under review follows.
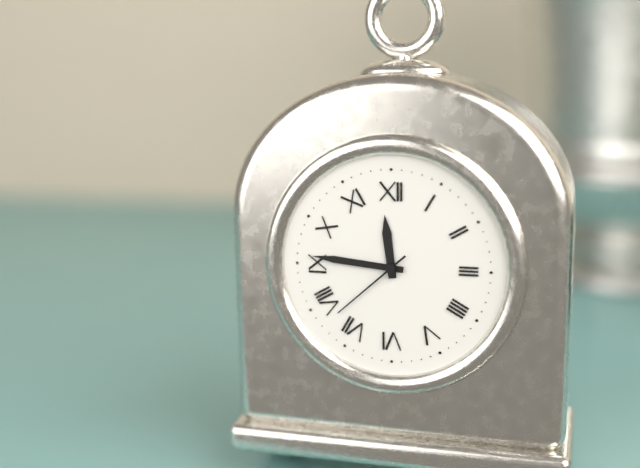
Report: {"hour": 11, "minute": 46, "second": 38}
